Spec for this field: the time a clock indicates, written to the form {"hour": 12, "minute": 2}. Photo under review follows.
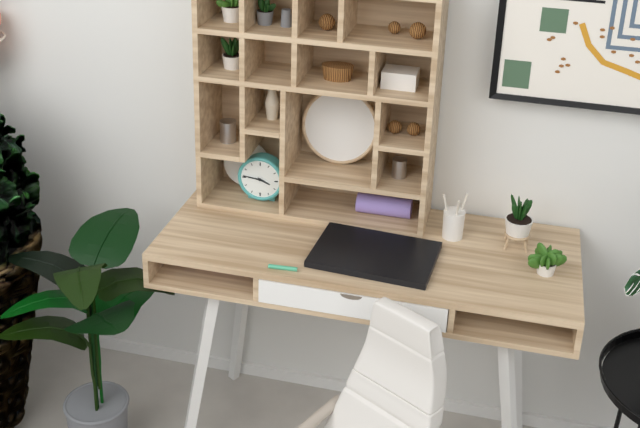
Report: {"hour": 3, "minute": 46}
